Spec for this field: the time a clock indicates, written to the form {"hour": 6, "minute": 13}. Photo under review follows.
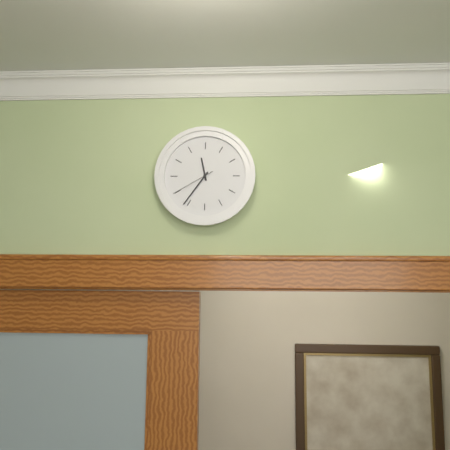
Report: {"hour": 11, "minute": 36}
